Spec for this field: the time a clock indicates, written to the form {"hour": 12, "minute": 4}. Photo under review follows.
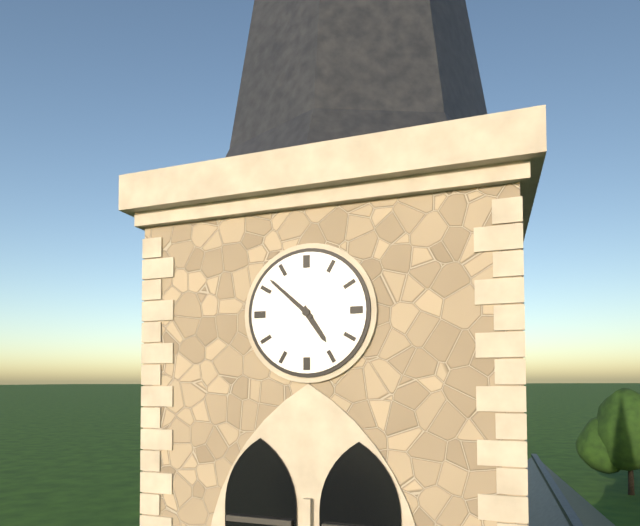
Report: {"hour": 4, "minute": 52}
